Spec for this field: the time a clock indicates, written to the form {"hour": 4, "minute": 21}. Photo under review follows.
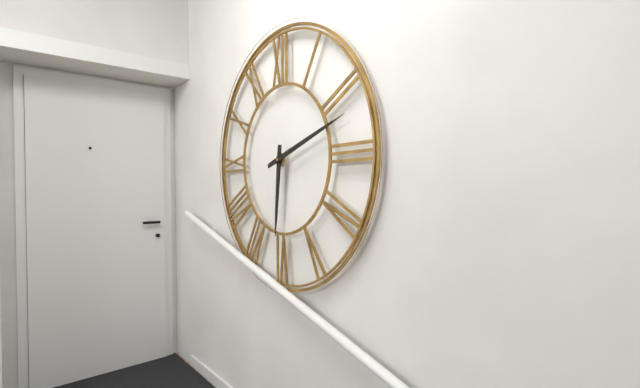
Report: {"hour": 6, "minute": 12}
